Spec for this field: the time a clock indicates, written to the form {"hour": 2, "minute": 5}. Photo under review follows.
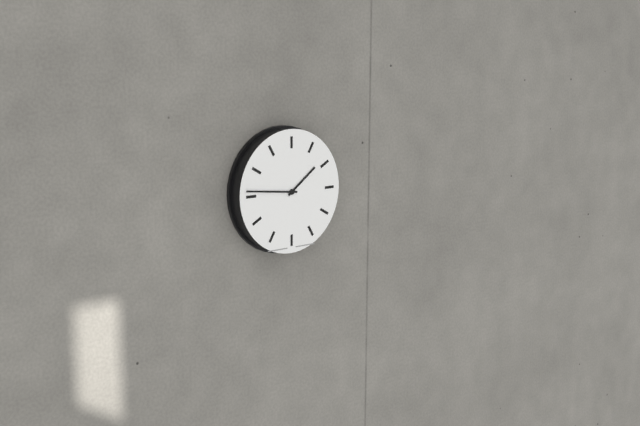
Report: {"hour": 1, "minute": 46}
